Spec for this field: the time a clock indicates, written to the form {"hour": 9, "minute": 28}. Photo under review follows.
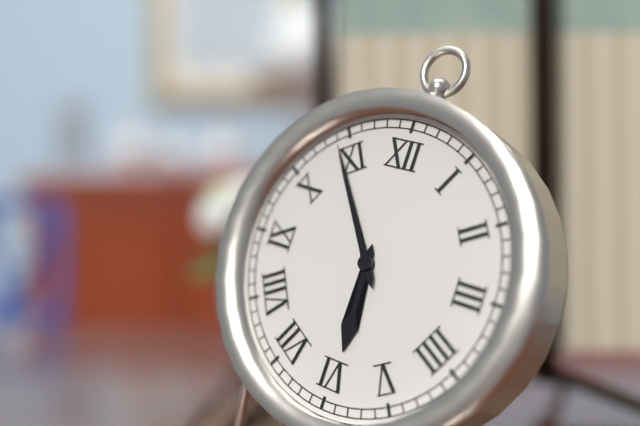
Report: {"hour": 5, "minute": 54}
